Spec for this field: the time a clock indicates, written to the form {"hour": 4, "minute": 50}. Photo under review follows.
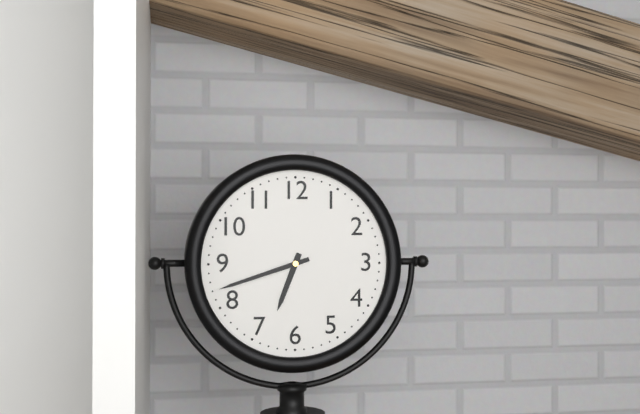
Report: {"hour": 6, "minute": 42}
